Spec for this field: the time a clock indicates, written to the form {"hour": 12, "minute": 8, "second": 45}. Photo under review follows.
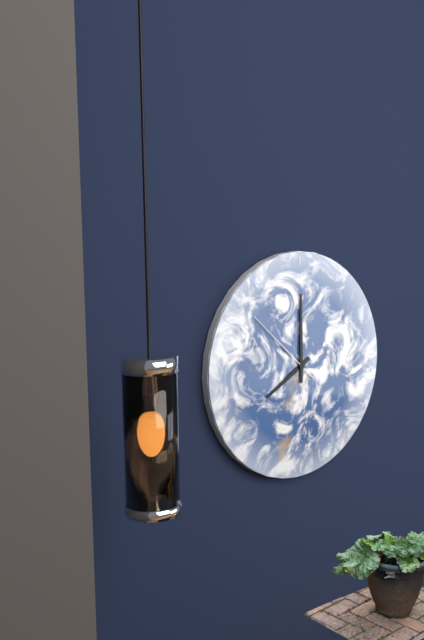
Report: {"hour": 8, "minute": 0, "second": 52}
